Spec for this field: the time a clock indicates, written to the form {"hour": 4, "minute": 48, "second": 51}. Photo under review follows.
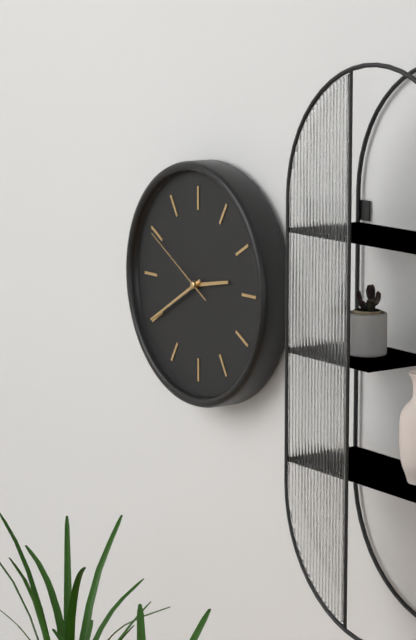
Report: {"hour": 2, "minute": 40, "second": 50}
